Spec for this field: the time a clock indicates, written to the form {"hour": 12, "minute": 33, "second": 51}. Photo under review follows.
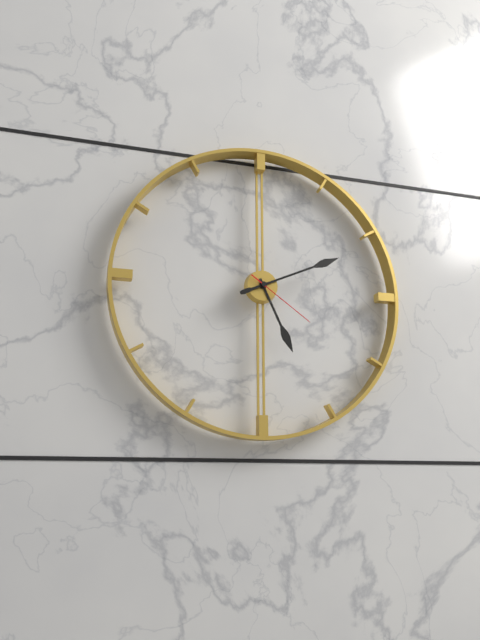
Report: {"hour": 5, "minute": 11, "second": 21}
